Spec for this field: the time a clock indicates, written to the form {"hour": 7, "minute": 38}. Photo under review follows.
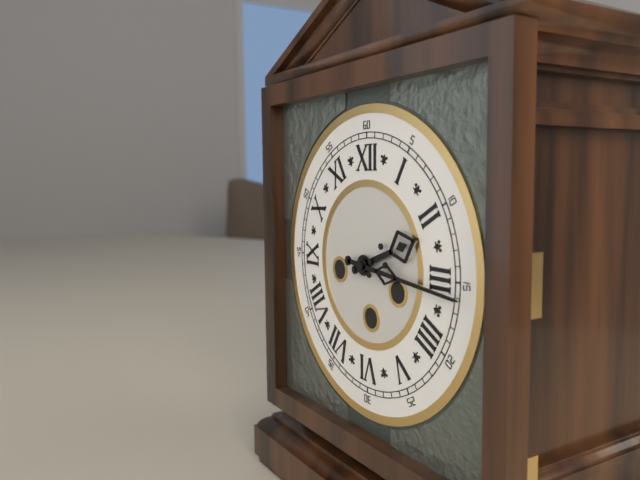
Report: {"hour": 2, "minute": 16}
